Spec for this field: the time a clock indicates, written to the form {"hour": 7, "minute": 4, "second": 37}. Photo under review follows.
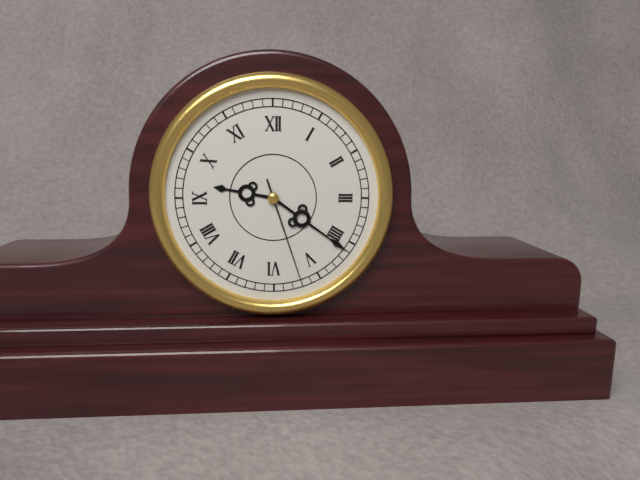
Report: {"hour": 9, "minute": 21, "second": 27}
